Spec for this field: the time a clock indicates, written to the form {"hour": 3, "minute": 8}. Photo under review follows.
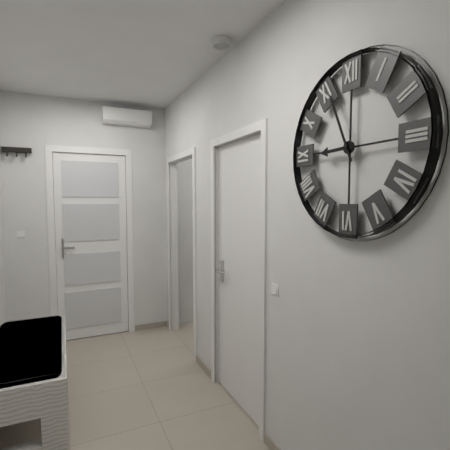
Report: {"hour": 8, "minute": 56}
